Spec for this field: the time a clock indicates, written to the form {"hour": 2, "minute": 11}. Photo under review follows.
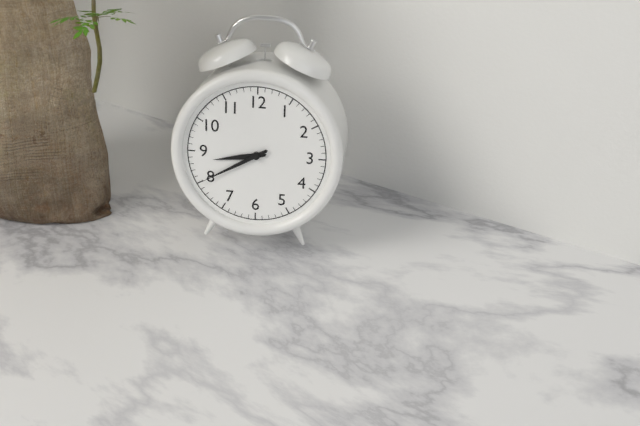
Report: {"hour": 8, "minute": 40}
